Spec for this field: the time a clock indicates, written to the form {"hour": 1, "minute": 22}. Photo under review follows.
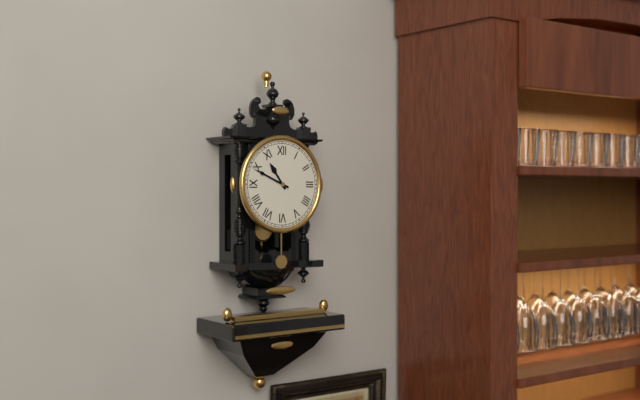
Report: {"hour": 10, "minute": 49}
